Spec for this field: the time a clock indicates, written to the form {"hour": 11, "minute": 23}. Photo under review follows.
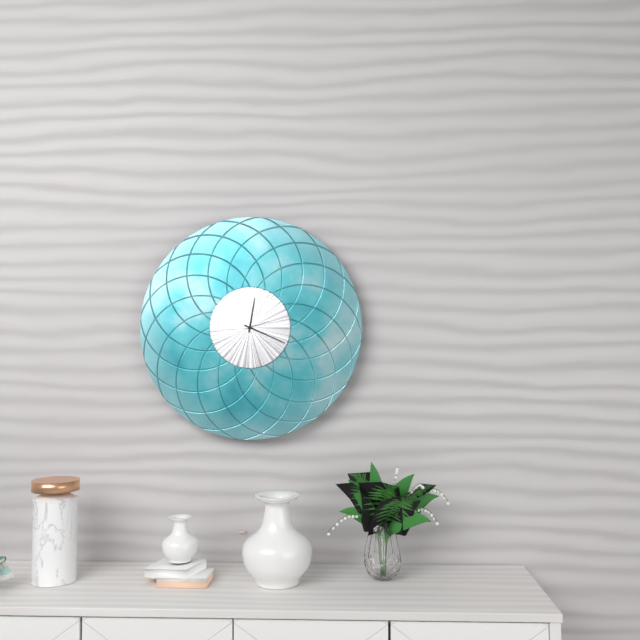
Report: {"hour": 12, "minute": 19}
